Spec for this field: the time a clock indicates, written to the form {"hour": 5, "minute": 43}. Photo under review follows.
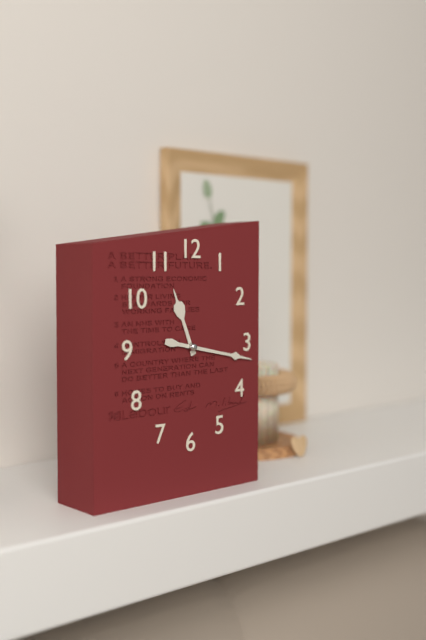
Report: {"hour": 11, "minute": 17}
